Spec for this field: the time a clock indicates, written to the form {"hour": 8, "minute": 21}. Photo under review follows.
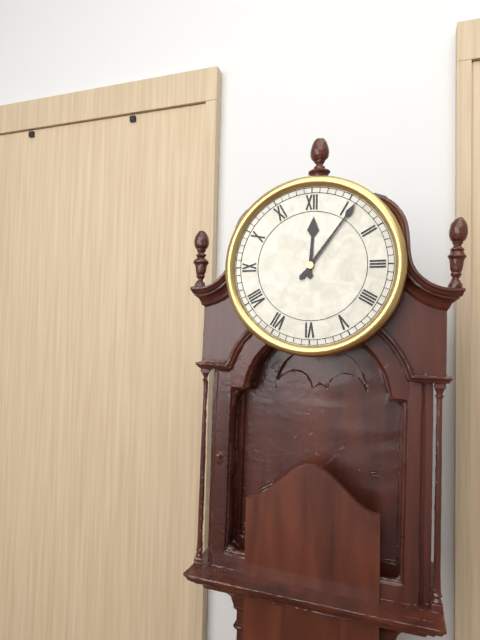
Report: {"hour": 12, "minute": 6}
